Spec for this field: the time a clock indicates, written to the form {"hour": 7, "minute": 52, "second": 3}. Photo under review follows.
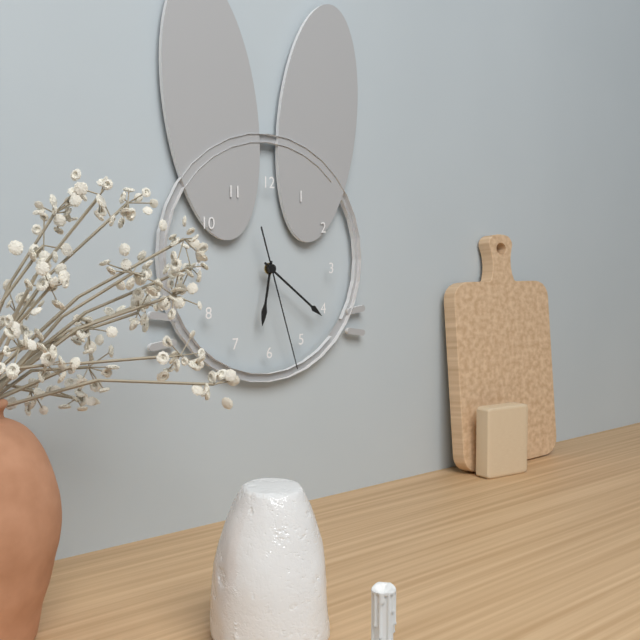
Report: {"hour": 6, "minute": 21, "second": 27}
